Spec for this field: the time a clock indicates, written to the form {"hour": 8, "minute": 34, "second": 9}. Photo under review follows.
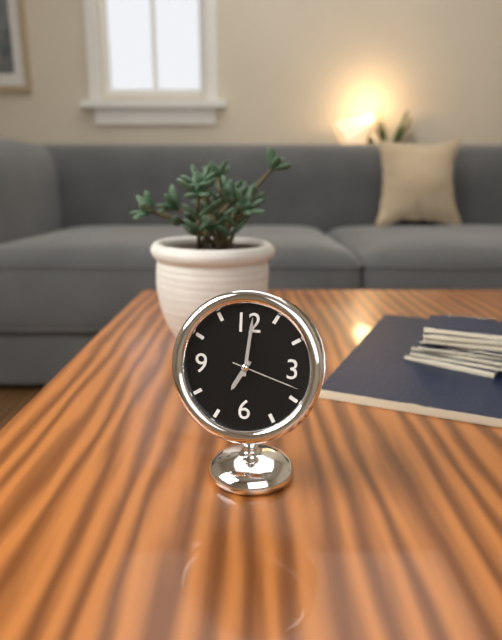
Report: {"hour": 7, "minute": 1, "second": 18}
